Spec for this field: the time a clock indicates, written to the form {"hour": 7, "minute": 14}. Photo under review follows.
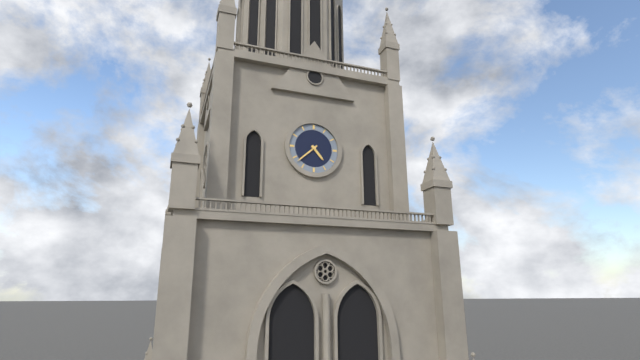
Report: {"hour": 4, "minute": 38}
